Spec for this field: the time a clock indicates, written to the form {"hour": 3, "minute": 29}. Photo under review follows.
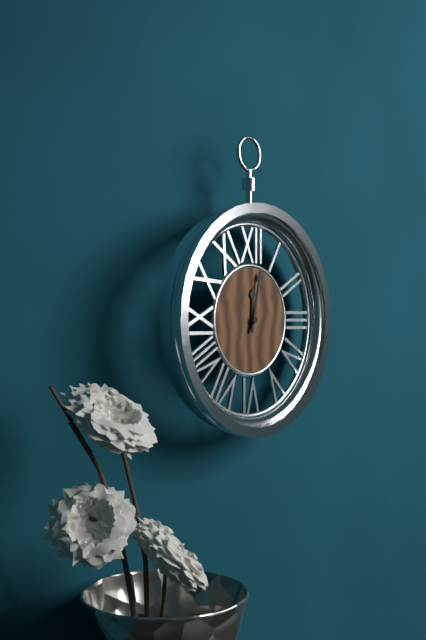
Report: {"hour": 12, "minute": 2}
